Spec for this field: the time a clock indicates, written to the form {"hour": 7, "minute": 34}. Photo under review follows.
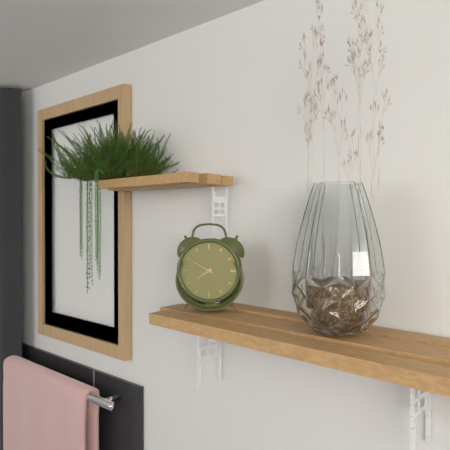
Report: {"hour": 7, "minute": 50}
